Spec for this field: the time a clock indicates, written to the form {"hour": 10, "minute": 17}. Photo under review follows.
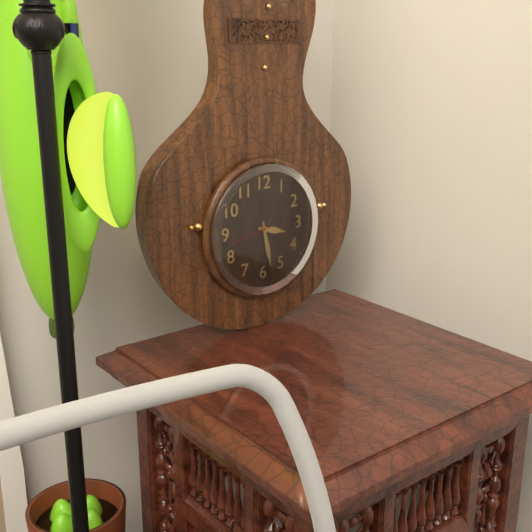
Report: {"hour": 3, "minute": 28}
